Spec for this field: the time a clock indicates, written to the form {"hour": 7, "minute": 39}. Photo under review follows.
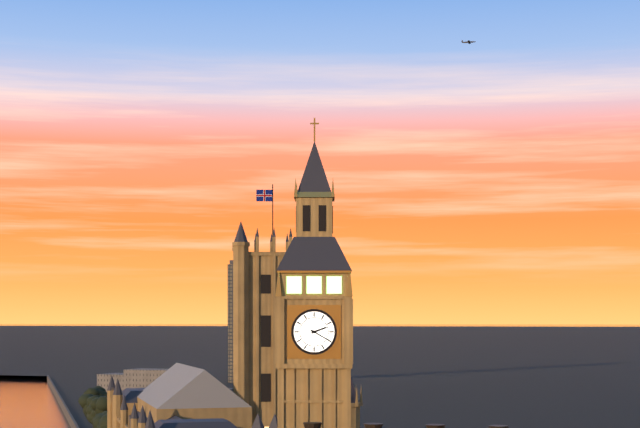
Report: {"hour": 2, "minute": 20}
